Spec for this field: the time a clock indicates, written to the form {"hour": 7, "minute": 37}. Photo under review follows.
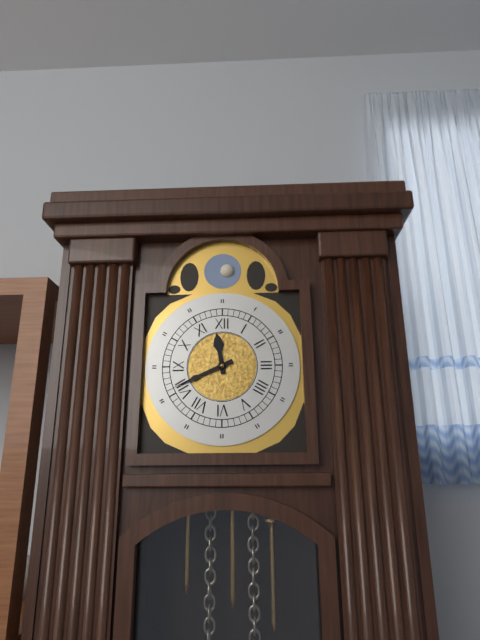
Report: {"hour": 11, "minute": 41}
